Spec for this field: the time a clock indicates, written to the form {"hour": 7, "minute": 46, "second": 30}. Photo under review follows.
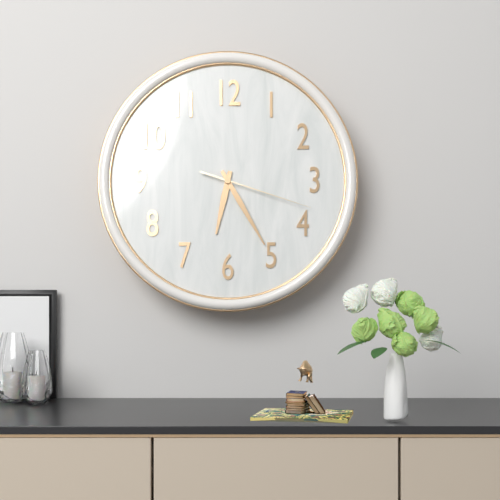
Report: {"hour": 6, "minute": 25, "second": 18}
